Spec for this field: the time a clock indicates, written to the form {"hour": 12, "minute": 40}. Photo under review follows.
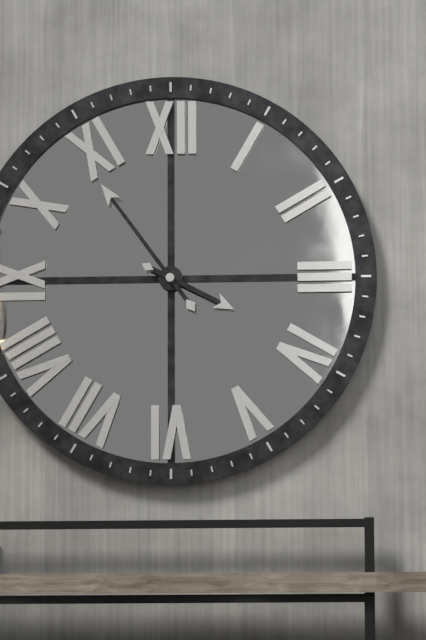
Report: {"hour": 3, "minute": 54}
